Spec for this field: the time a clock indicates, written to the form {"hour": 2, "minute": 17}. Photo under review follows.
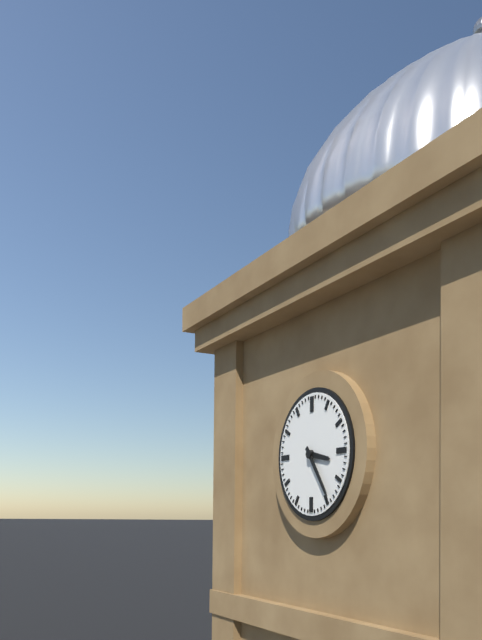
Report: {"hour": 3, "minute": 24}
